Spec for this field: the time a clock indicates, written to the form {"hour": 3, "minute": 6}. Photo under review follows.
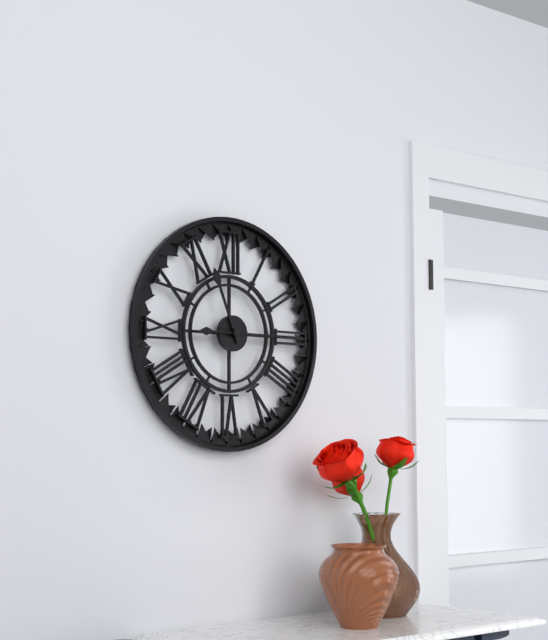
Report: {"hour": 11, "minute": 15}
